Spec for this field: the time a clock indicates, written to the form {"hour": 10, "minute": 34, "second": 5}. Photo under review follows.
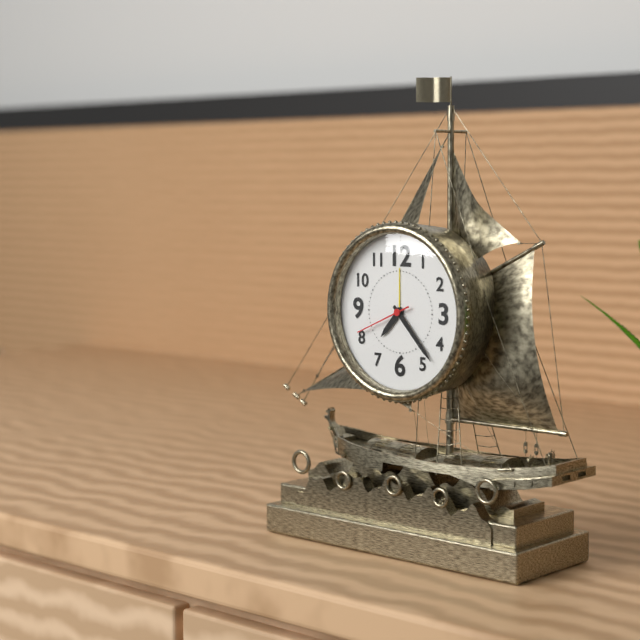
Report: {"hour": 7, "minute": 23, "second": 41}
